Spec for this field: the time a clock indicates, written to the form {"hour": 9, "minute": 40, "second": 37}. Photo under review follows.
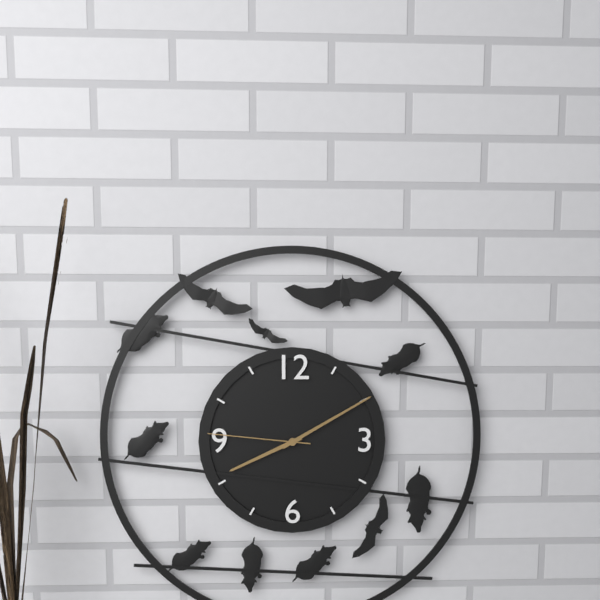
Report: {"hour": 8, "minute": 10, "second": 46}
